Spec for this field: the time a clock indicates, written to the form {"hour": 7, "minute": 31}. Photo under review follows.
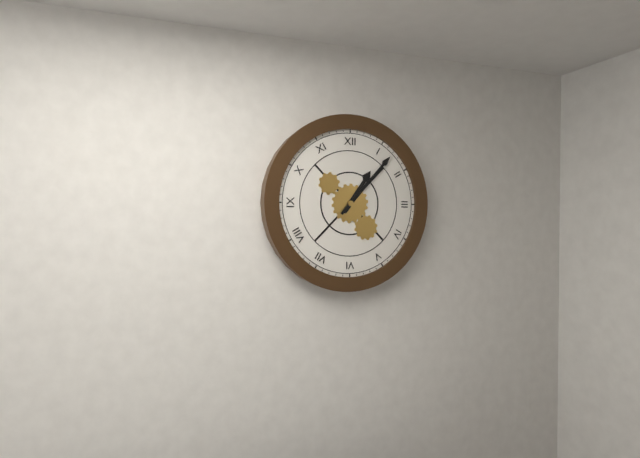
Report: {"hour": 1, "minute": 7}
